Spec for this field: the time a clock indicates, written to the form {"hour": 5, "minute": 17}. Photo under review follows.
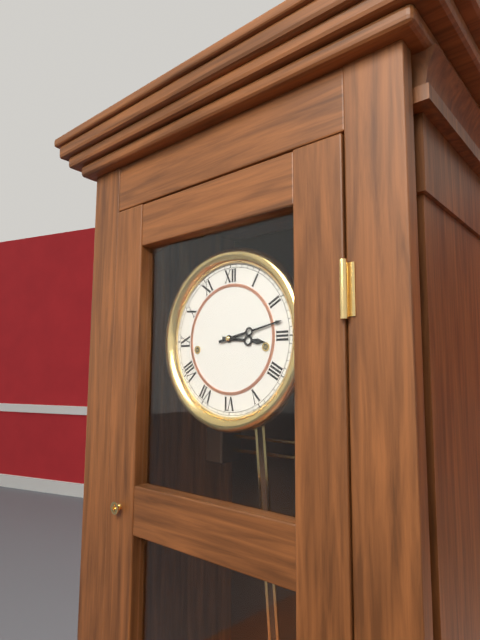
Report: {"hour": 3, "minute": 13}
